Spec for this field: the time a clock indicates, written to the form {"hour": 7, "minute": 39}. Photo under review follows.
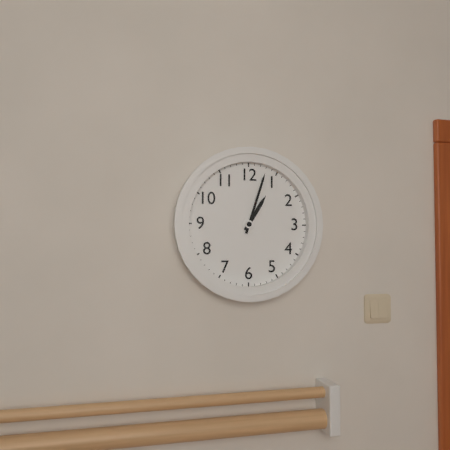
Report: {"hour": 1, "minute": 3}
